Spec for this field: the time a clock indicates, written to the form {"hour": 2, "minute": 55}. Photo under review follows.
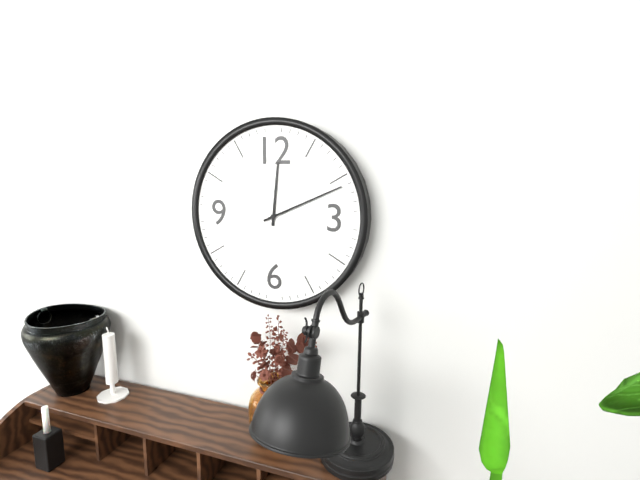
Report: {"hour": 12, "minute": 11}
